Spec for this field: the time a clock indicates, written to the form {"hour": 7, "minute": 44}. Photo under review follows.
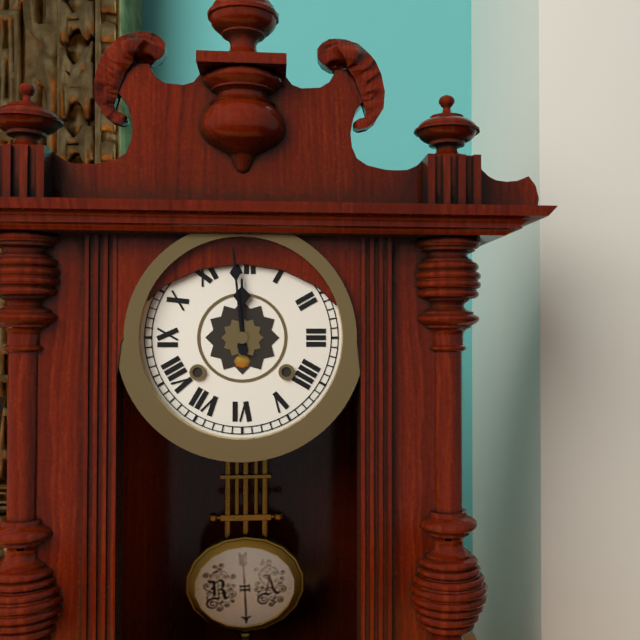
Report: {"hour": 11, "minute": 59}
